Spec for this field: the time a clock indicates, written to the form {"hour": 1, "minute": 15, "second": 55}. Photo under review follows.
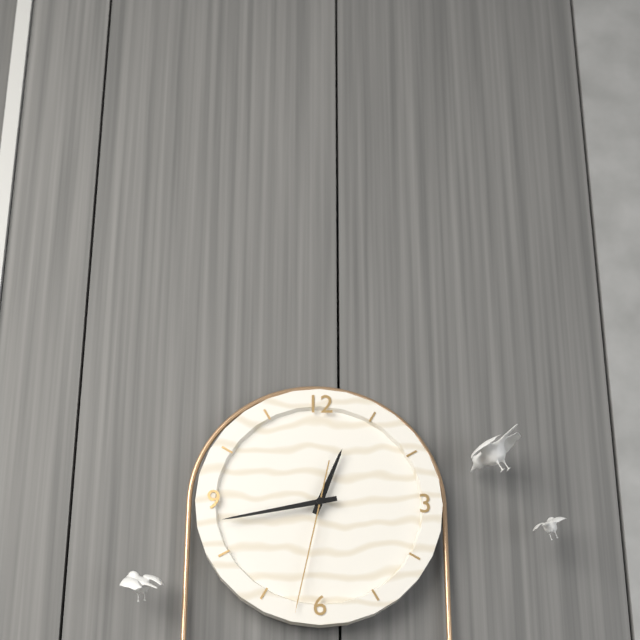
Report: {"hour": 12, "minute": 43, "second": 32}
